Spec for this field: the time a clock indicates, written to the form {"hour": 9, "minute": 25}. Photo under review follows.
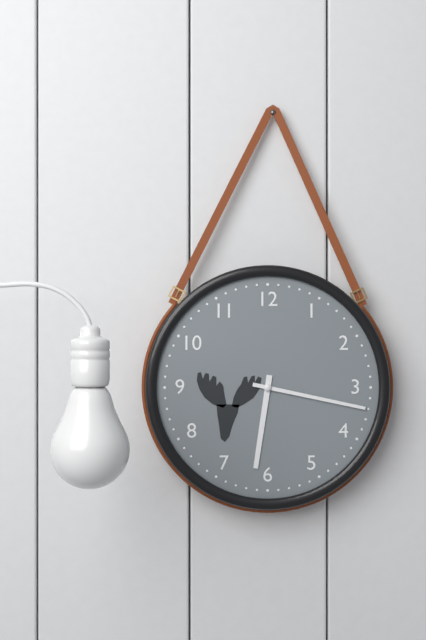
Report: {"hour": 6, "minute": 17}
